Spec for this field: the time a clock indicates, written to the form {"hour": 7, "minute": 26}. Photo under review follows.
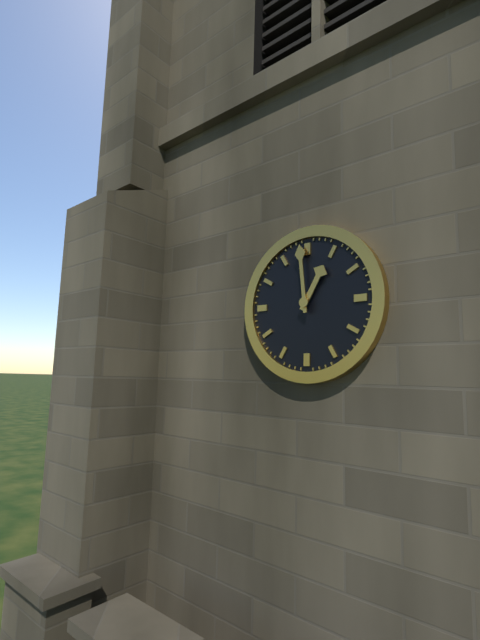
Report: {"hour": 12, "minute": 59}
